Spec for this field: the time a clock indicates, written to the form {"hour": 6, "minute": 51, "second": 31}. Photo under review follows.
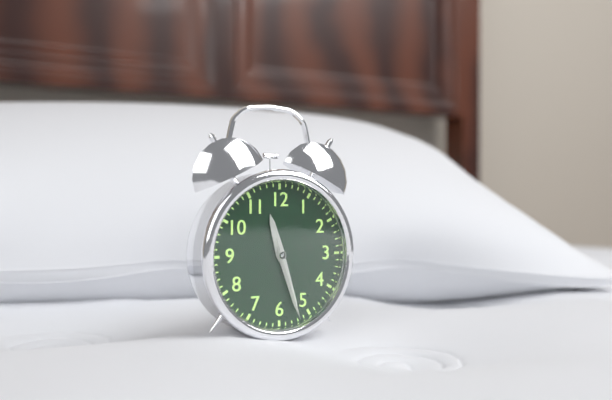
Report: {"hour": 11, "minute": 27, "second": 27}
